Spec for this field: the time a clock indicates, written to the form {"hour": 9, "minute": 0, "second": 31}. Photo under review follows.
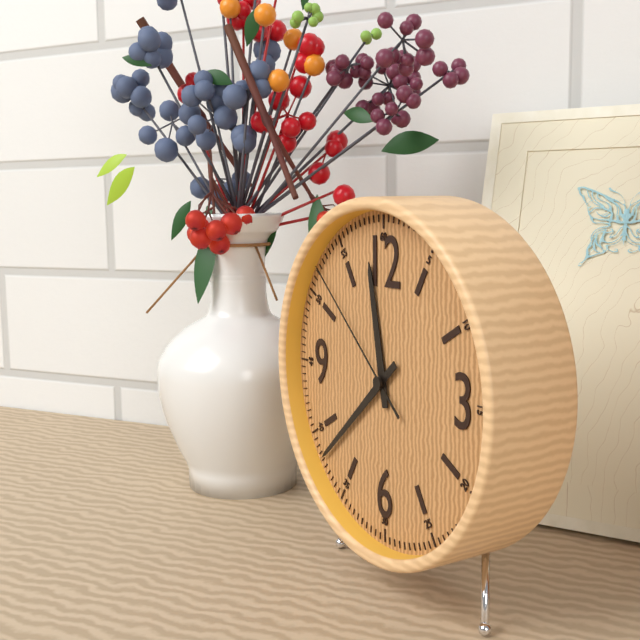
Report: {"hour": 11, "minute": 38, "second": 52}
